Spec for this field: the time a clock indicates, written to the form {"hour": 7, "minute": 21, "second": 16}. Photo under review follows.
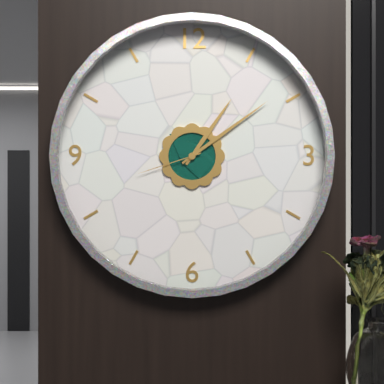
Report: {"hour": 1, "minute": 9, "second": 42}
